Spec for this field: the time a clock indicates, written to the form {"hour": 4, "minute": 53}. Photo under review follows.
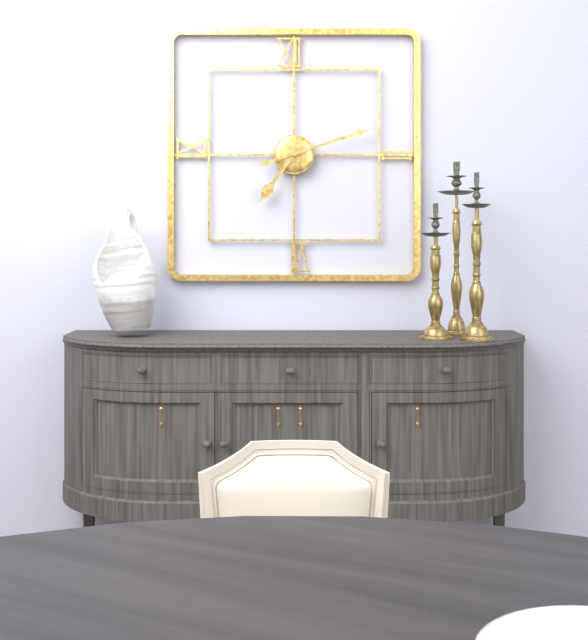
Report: {"hour": 7, "minute": 12}
